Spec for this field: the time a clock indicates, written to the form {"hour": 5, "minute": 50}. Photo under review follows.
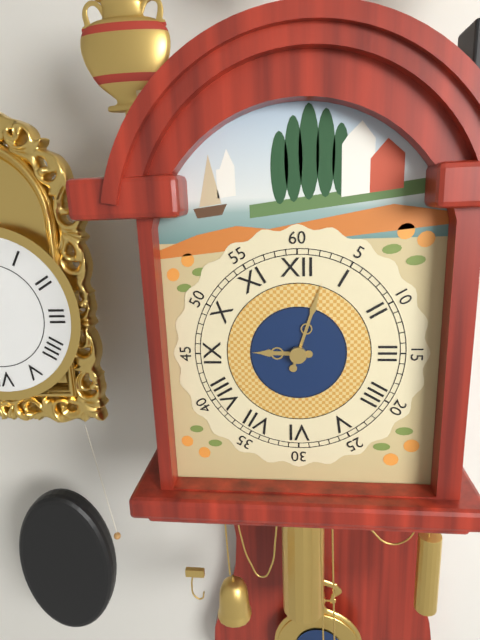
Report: {"hour": 9, "minute": 3}
